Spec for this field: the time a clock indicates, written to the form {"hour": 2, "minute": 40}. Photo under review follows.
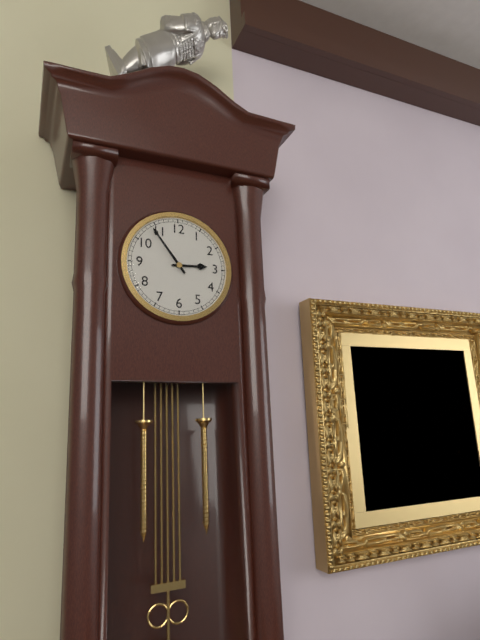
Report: {"hour": 2, "minute": 54}
